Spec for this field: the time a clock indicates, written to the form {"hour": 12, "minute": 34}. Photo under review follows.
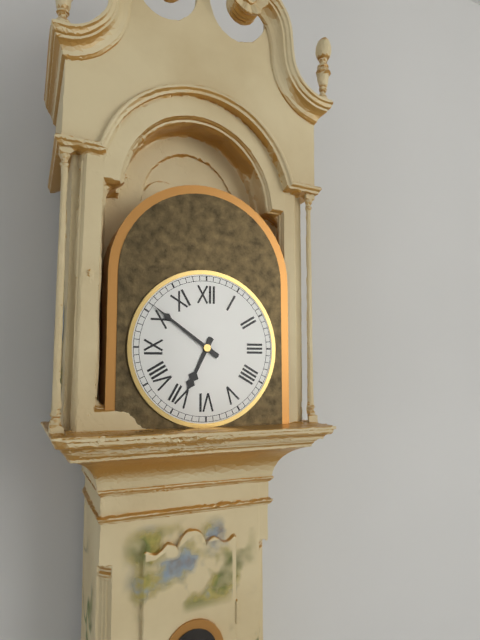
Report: {"hour": 6, "minute": 51}
